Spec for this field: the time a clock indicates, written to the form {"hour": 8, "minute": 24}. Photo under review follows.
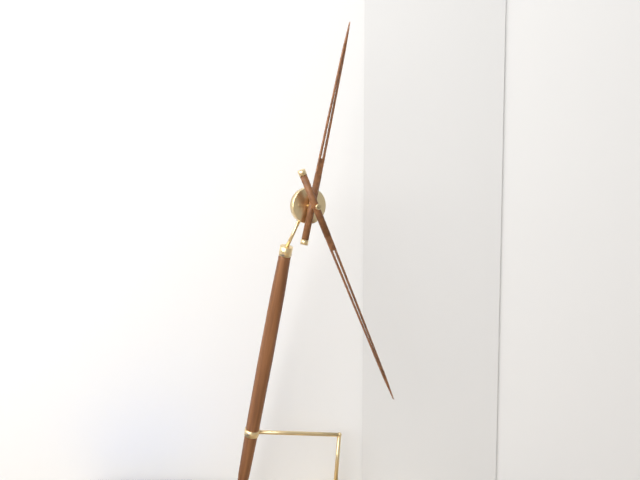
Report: {"hour": 12, "minute": 26}
